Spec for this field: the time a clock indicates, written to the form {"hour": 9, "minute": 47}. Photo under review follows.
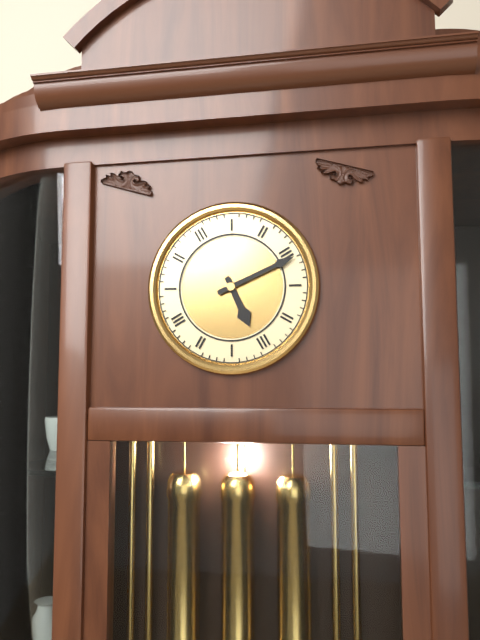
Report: {"hour": 5, "minute": 11}
